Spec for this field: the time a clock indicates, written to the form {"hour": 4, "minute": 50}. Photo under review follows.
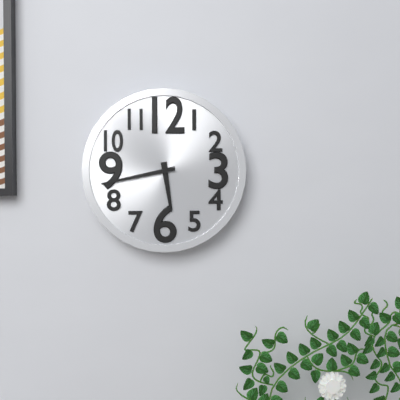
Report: {"hour": 5, "minute": 43}
